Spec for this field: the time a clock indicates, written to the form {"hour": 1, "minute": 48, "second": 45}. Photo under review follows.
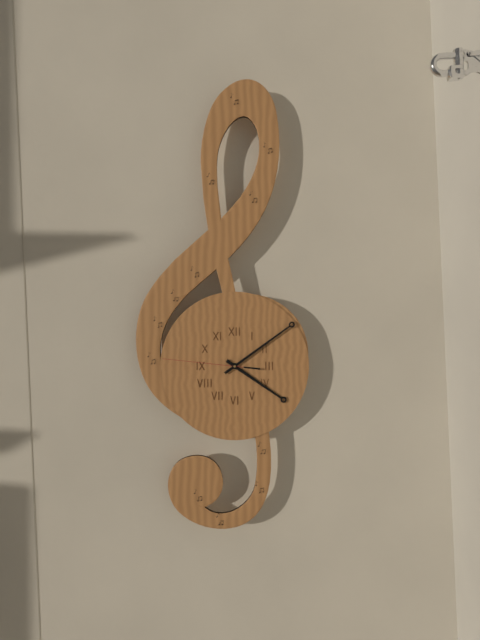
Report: {"hour": 4, "minute": 9, "second": 46}
